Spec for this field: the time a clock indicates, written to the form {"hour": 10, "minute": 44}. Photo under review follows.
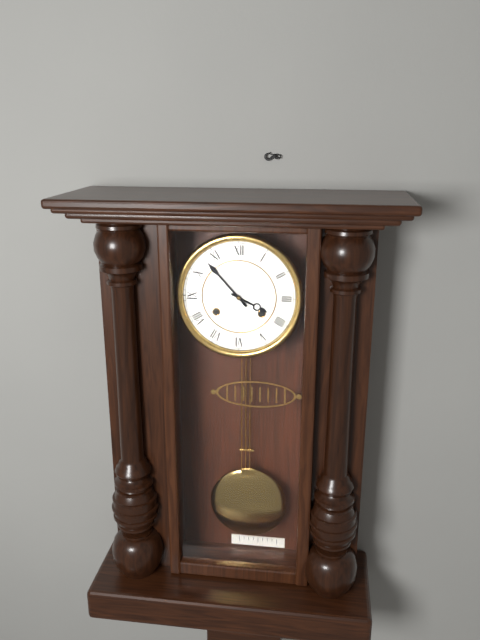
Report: {"hour": 3, "minute": 53}
